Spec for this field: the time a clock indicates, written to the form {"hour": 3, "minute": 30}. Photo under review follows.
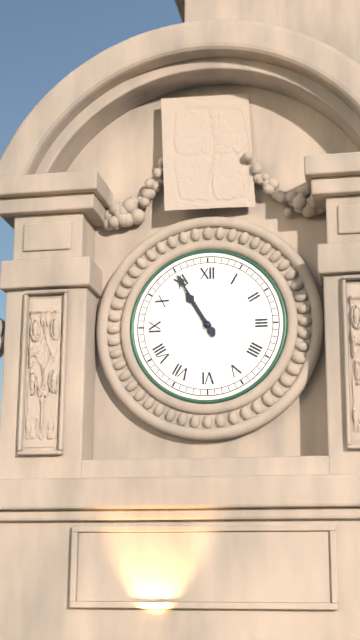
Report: {"hour": 10, "minute": 55}
